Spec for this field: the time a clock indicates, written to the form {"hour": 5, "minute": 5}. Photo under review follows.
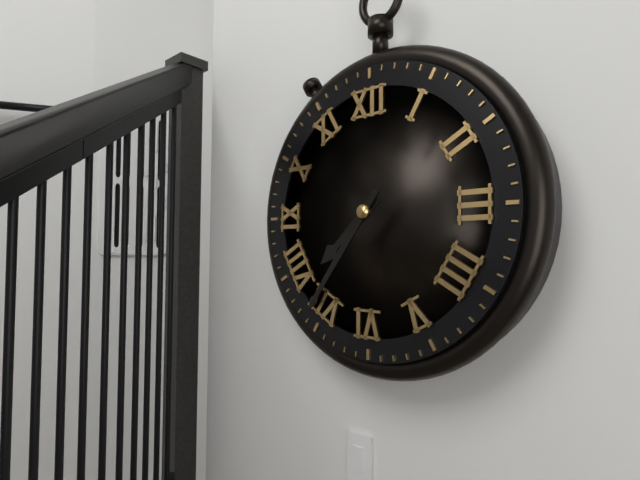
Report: {"hour": 7, "minute": 36}
